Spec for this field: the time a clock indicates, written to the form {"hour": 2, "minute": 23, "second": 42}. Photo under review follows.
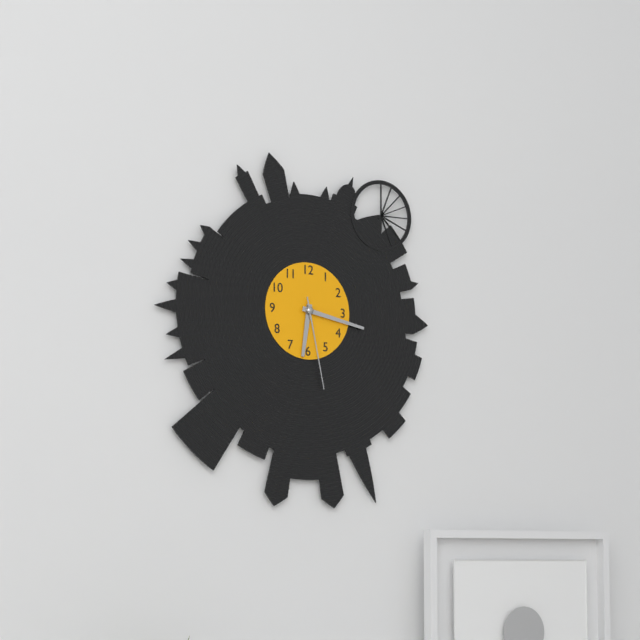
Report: {"hour": 6, "minute": 17, "second": 28}
